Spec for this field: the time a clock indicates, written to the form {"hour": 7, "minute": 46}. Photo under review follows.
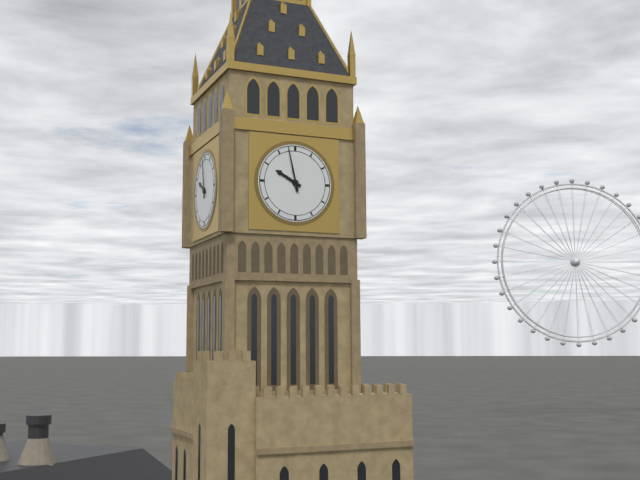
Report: {"hour": 9, "minute": 58}
